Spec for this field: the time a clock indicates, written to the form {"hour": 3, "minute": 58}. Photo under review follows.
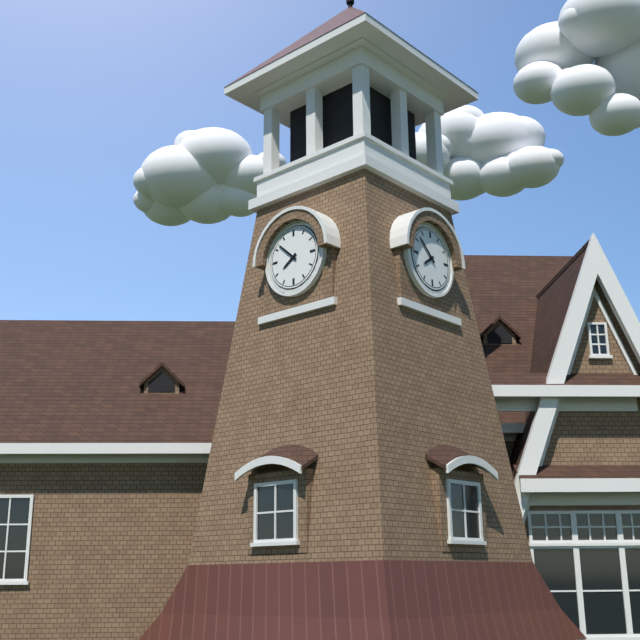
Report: {"hour": 7, "minute": 52}
